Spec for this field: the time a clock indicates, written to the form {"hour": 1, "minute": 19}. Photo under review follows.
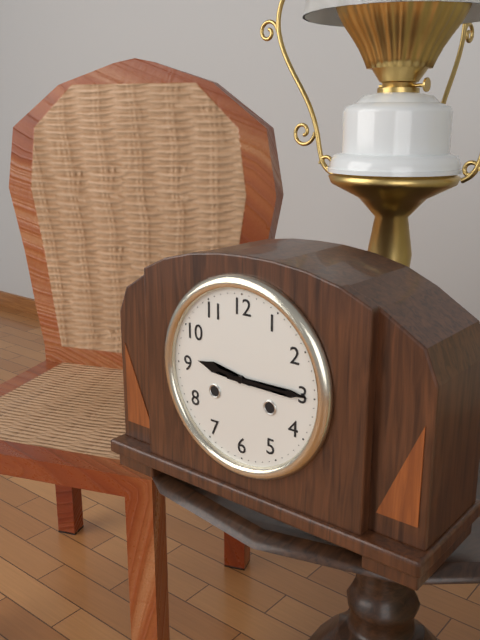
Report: {"hour": 9, "minute": 15}
